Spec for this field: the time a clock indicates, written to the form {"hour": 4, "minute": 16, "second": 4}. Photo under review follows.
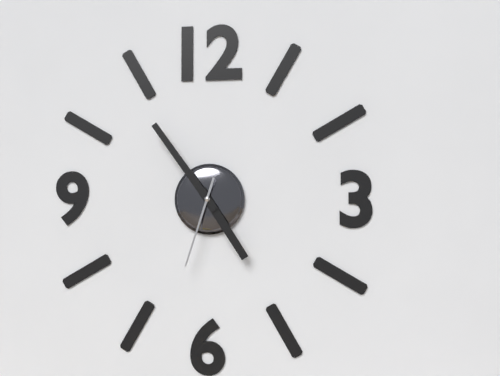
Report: {"hour": 4, "minute": 54, "second": 33}
